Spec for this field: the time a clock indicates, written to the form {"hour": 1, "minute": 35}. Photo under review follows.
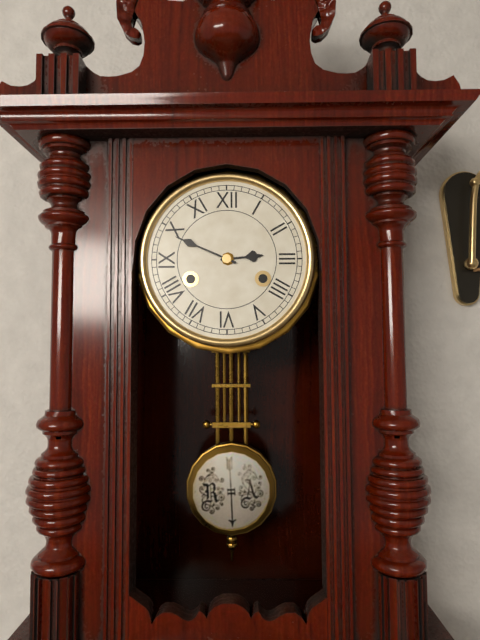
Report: {"hour": 2, "minute": 49}
